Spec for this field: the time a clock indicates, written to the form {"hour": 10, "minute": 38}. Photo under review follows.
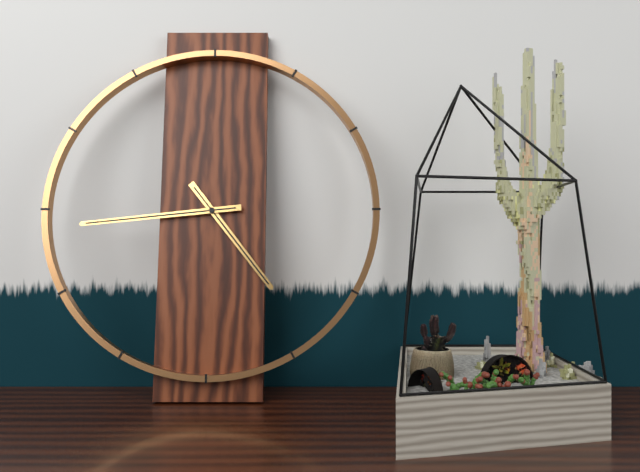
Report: {"hour": 4, "minute": 44}
